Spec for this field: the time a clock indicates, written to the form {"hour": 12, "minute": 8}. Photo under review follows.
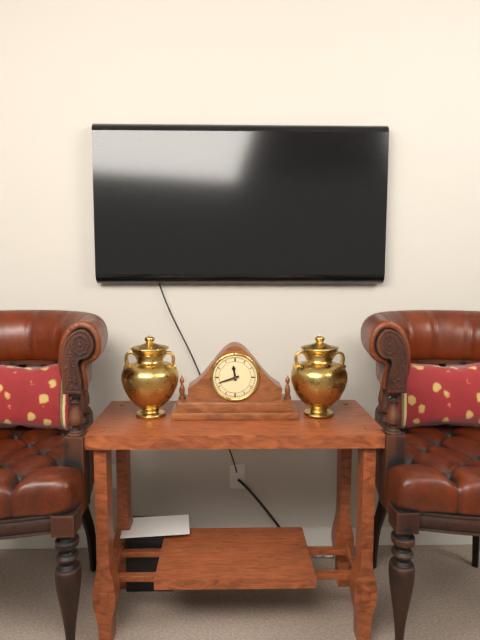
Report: {"hour": 11, "minute": 42}
